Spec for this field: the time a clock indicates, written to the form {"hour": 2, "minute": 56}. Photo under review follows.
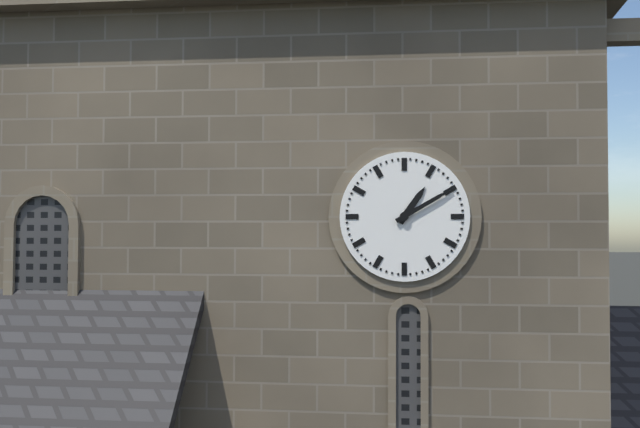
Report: {"hour": 1, "minute": 10}
